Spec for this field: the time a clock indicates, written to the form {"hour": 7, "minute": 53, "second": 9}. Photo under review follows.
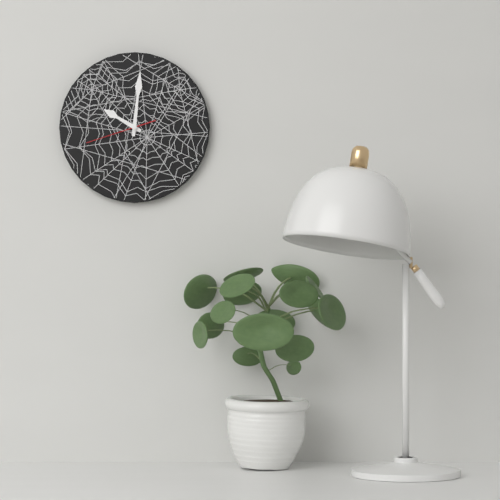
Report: {"hour": 10, "minute": 1, "second": 42}
